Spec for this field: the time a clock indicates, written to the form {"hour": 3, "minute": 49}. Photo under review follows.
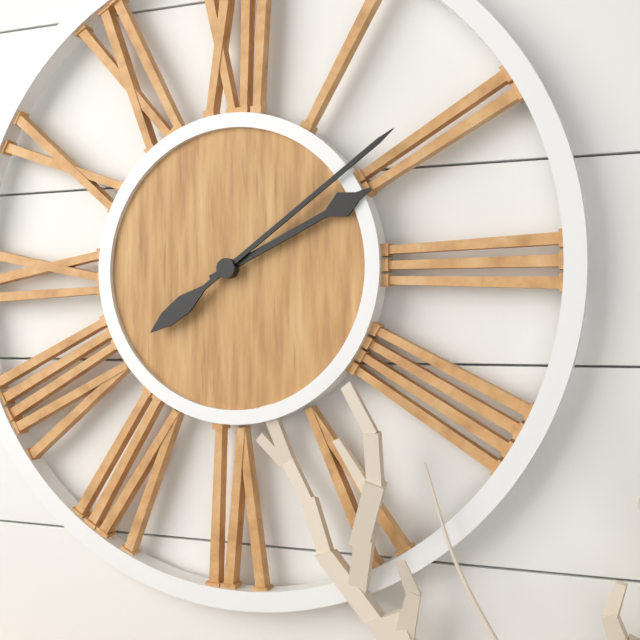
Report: {"hour": 2, "minute": 9}
